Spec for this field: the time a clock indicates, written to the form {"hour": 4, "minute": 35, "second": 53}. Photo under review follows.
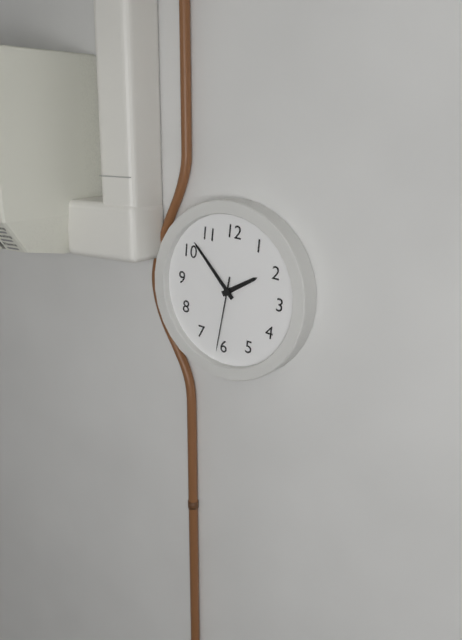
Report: {"hour": 1, "minute": 52, "second": 31}
